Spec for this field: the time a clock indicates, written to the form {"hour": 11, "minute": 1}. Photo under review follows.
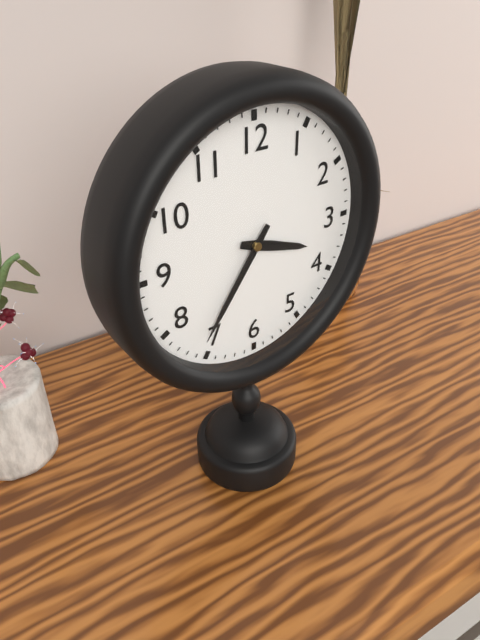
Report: {"hour": 3, "minute": 36}
